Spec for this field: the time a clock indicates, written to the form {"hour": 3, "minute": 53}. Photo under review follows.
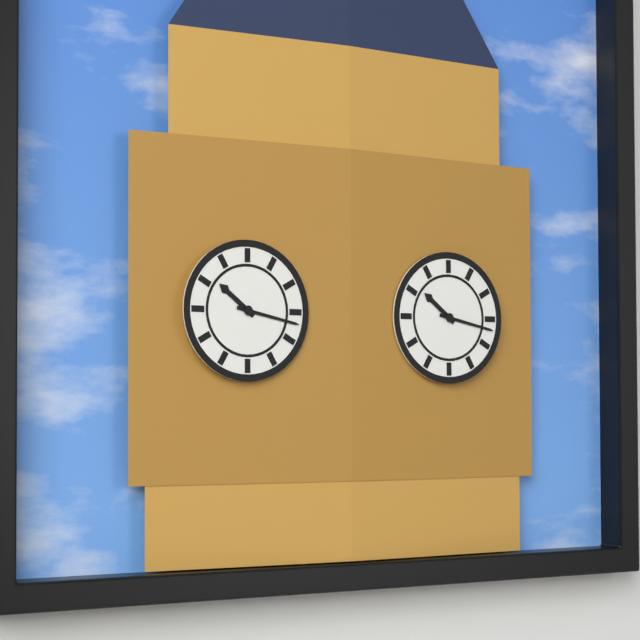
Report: {"hour": 10, "minute": 17}
